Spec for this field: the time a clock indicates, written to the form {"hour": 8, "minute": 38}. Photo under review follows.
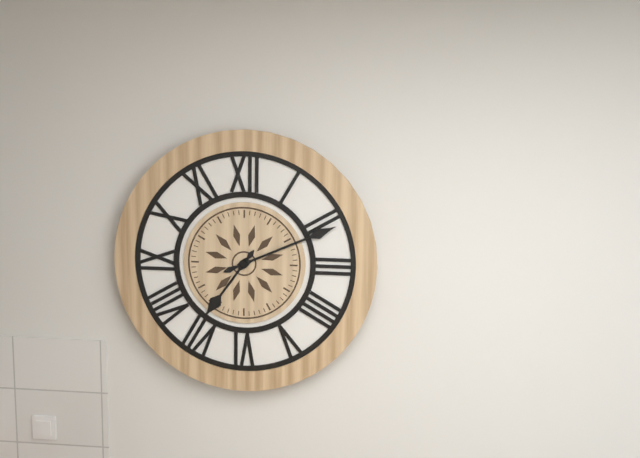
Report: {"hour": 7, "minute": 11}
